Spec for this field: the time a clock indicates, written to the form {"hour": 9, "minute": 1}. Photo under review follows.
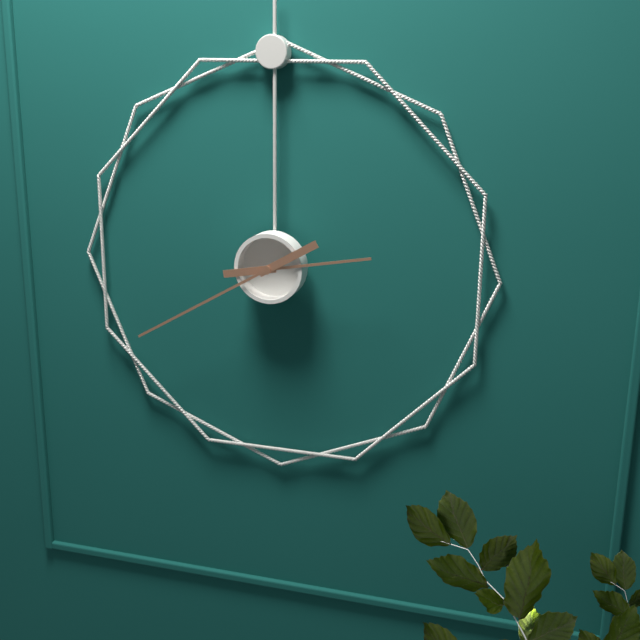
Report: {"hour": 2, "minute": 40}
